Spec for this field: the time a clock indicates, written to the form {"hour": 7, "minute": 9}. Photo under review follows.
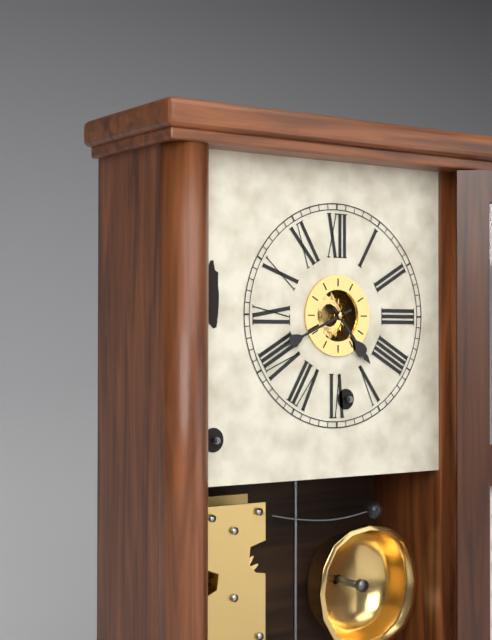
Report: {"hour": 4, "minute": 41}
